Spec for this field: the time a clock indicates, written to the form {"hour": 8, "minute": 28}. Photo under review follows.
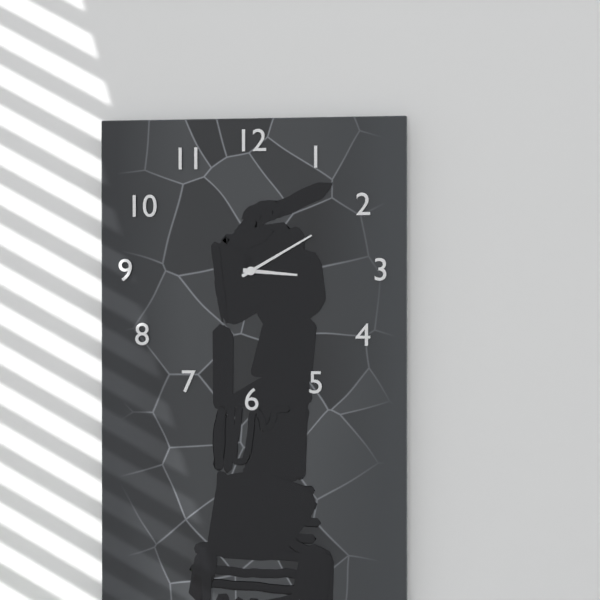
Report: {"hour": 3, "minute": 10}
